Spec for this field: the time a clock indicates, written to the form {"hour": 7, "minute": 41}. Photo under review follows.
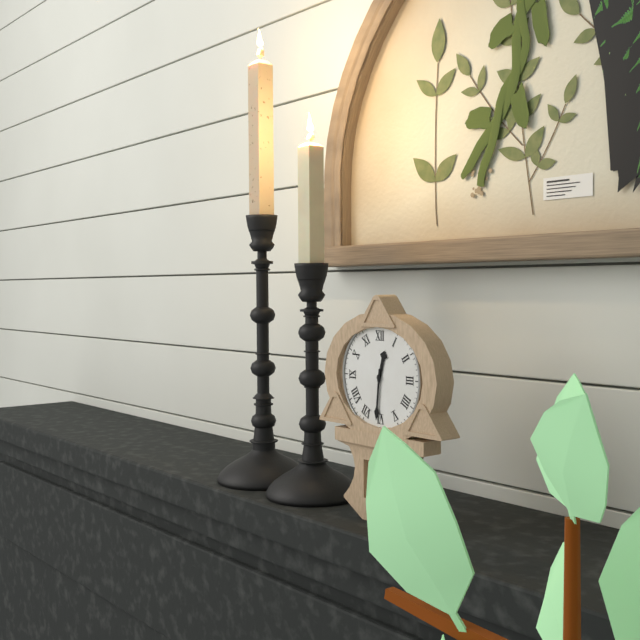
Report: {"hour": 12, "minute": 31}
